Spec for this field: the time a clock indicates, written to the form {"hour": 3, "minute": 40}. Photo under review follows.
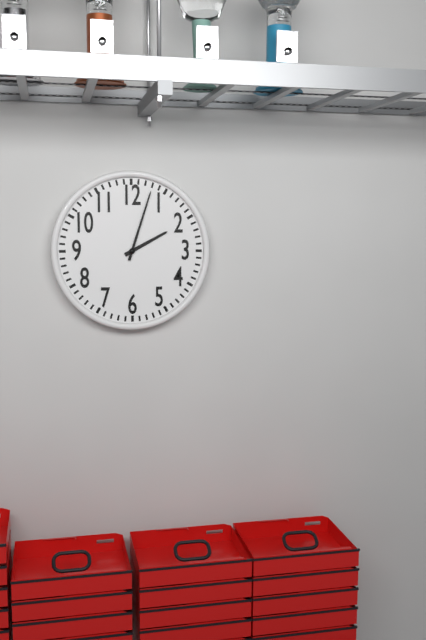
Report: {"hour": 2, "minute": 3}
